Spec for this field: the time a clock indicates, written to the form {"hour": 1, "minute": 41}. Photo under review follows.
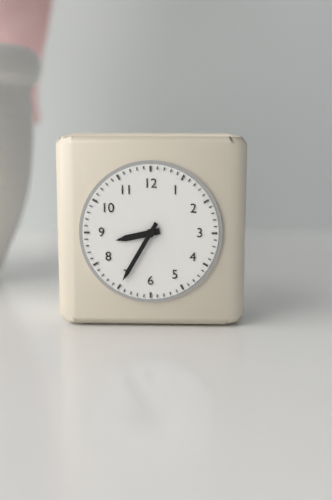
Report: {"hour": 8, "minute": 35}
